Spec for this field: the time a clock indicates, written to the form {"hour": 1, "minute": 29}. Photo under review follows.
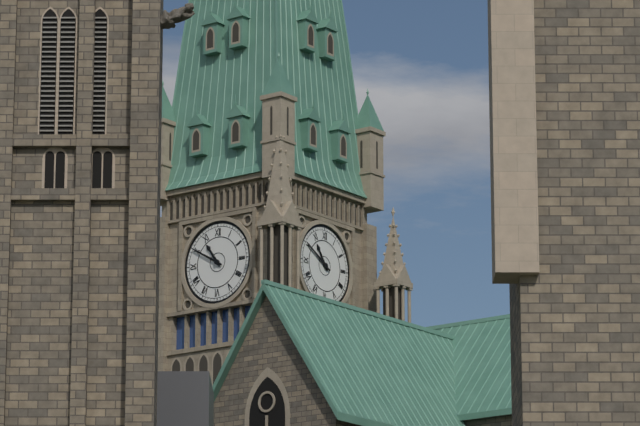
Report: {"hour": 10, "minute": 50}
